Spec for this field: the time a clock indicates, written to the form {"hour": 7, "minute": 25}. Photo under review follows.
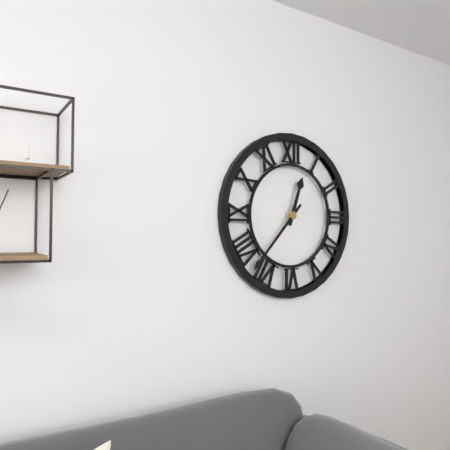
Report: {"hour": 12, "minute": 37}
